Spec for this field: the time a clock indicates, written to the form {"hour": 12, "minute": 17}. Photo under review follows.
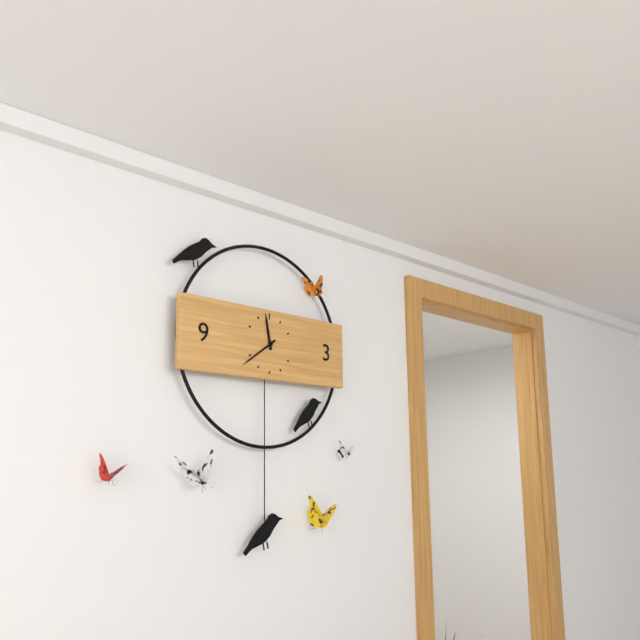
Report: {"hour": 11, "minute": 39}
